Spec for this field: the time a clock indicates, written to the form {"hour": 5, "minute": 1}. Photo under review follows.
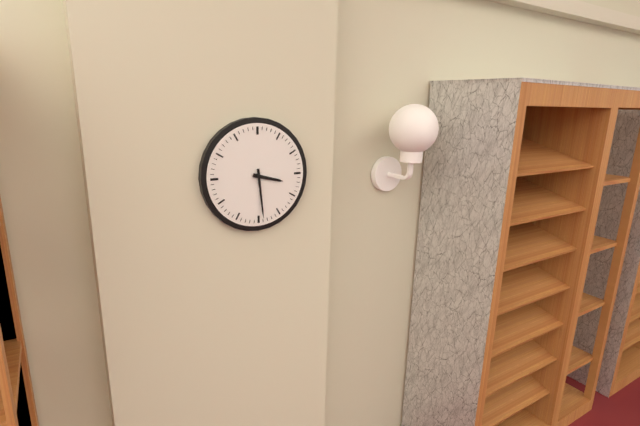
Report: {"hour": 3, "minute": 29}
